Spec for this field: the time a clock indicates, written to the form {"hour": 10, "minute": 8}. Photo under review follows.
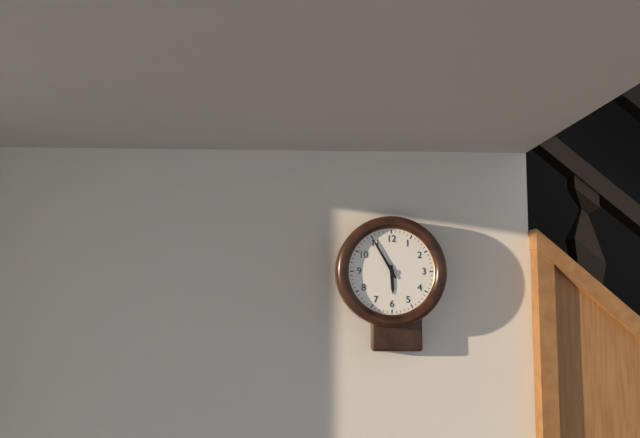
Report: {"hour": 5, "minute": 55}
